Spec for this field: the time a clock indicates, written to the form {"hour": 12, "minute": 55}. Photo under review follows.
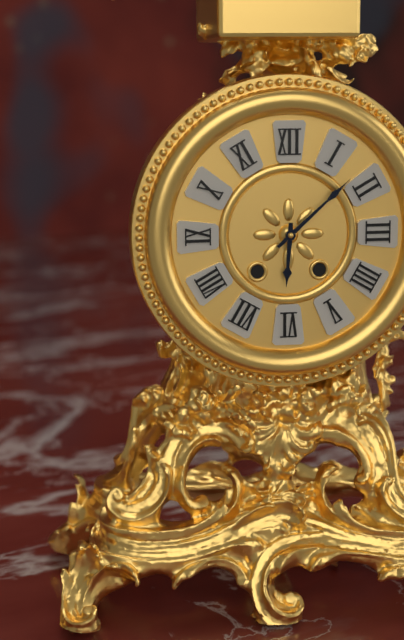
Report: {"hour": 6, "minute": 8}
